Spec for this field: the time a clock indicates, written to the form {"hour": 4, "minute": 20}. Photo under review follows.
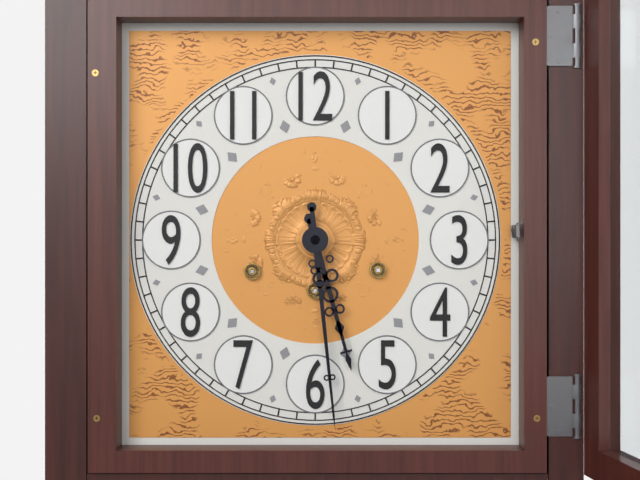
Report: {"hour": 5, "minute": 29}
